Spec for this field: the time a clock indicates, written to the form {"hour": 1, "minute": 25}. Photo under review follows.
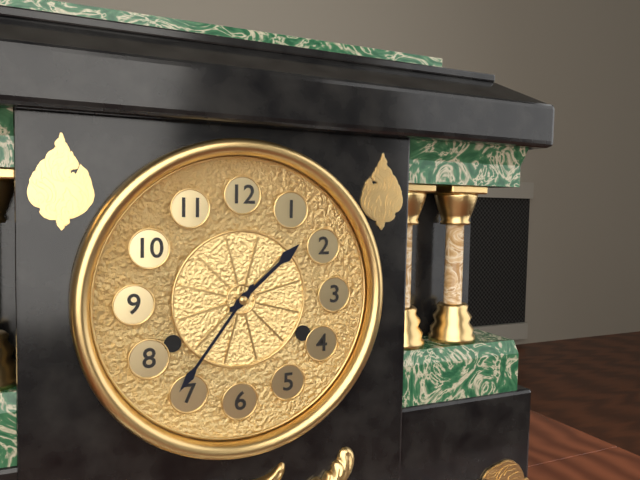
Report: {"hour": 1, "minute": 36}
